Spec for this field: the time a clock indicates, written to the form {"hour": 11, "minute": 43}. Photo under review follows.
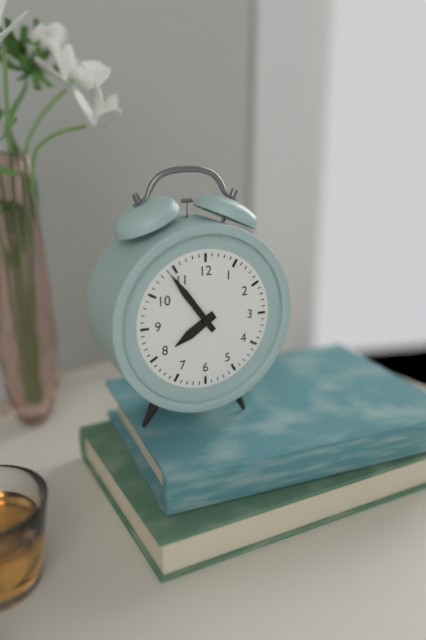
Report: {"hour": 7, "minute": 54}
